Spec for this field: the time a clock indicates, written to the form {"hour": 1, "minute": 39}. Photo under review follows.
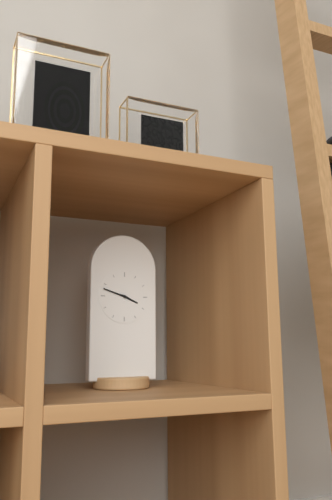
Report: {"hour": 3, "minute": 48}
